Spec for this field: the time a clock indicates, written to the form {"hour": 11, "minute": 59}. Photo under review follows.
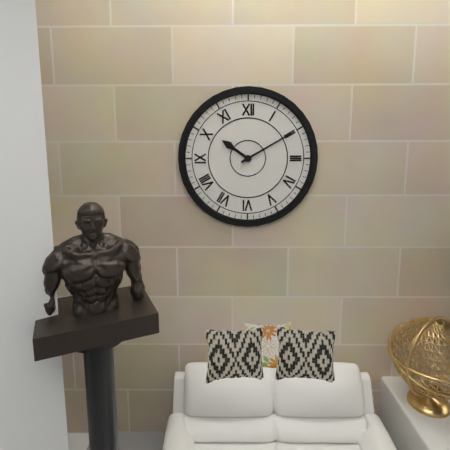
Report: {"hour": 10, "minute": 10}
